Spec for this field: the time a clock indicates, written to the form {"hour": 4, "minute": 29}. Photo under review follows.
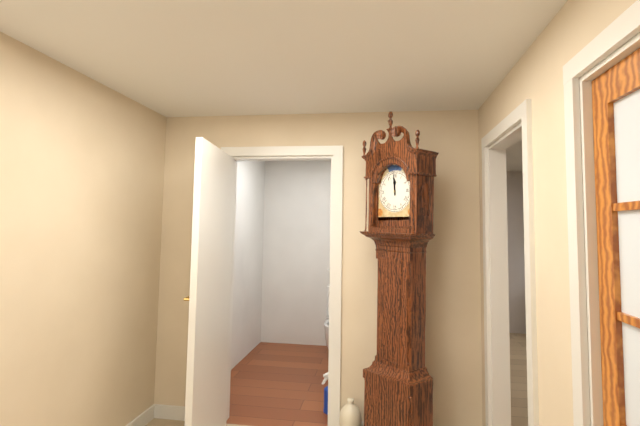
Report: {"hour": 11, "minute": 59}
